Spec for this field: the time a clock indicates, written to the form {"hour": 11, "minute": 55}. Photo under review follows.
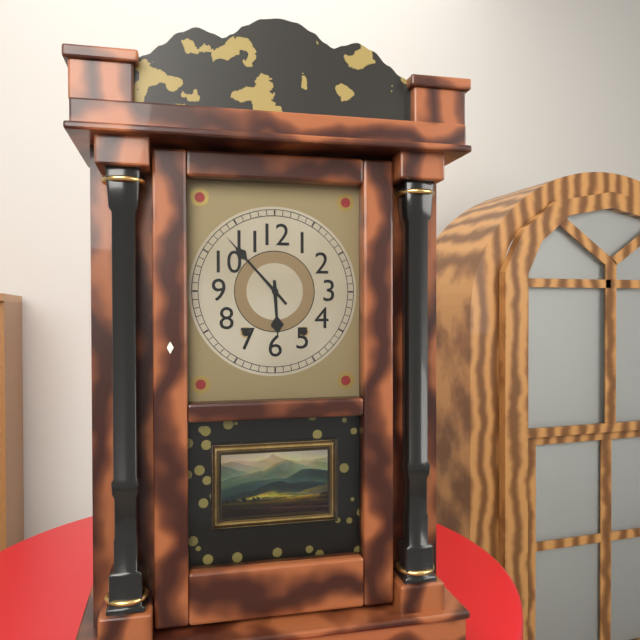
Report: {"hour": 5, "minute": 53}
